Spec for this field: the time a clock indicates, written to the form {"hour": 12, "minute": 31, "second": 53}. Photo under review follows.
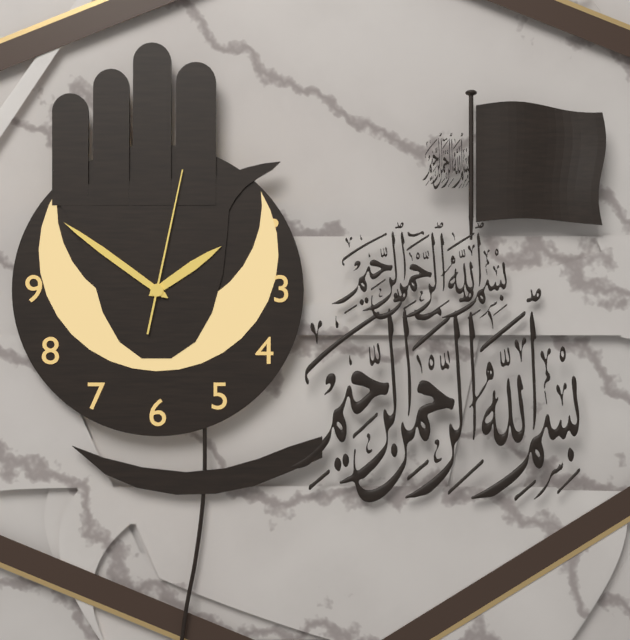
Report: {"hour": 1, "minute": 51, "second": 2}
